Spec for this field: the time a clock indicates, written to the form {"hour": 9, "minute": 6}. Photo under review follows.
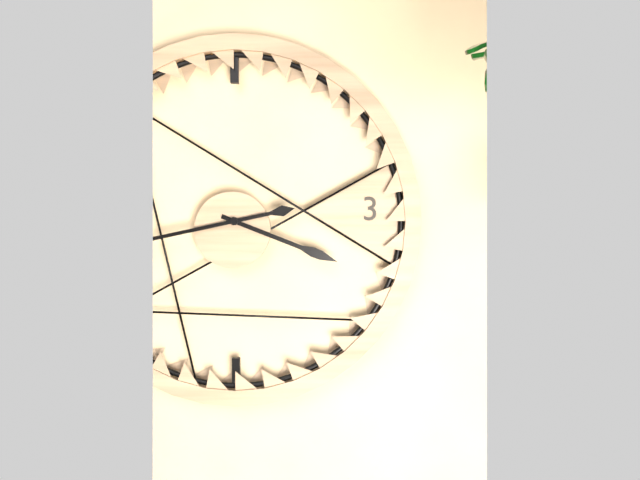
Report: {"hour": 3, "minute": 43}
